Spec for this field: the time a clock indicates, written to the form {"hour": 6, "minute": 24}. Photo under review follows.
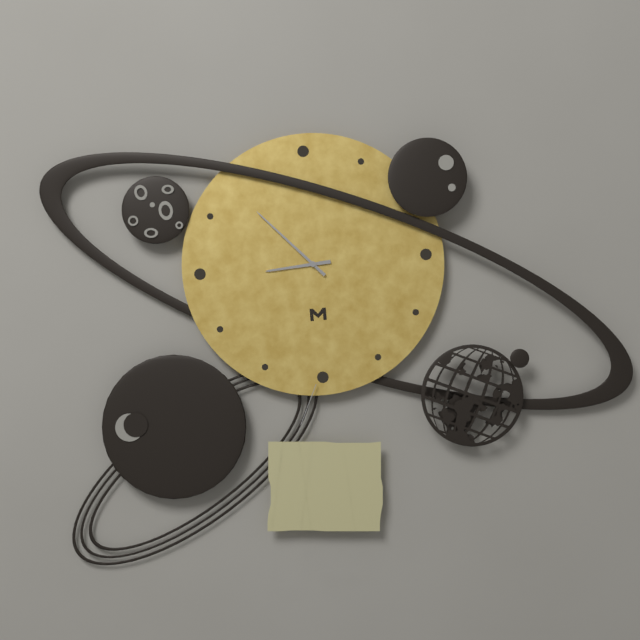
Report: {"hour": 8, "minute": 53}
